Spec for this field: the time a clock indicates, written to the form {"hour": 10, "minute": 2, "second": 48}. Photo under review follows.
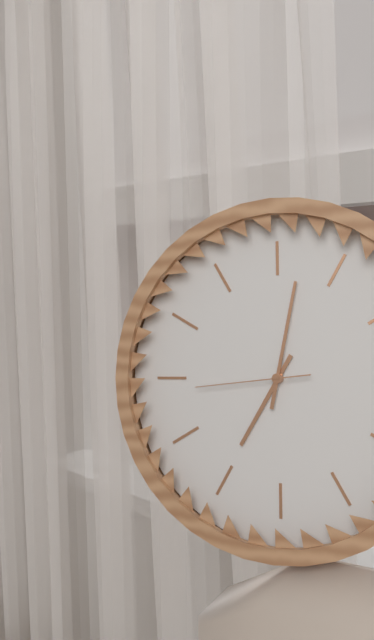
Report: {"hour": 7, "minute": 2, "second": 44}
